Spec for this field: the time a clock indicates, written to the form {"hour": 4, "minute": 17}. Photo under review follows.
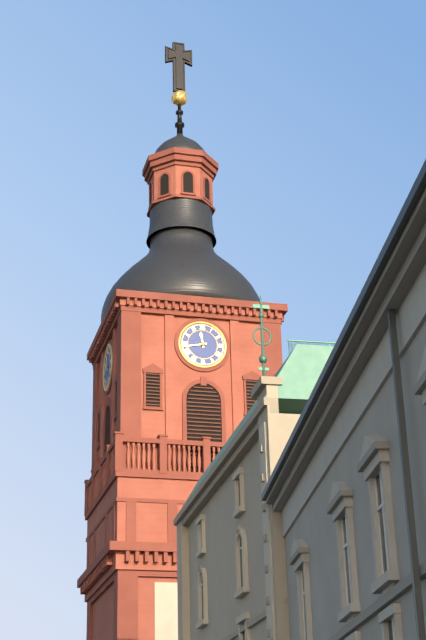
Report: {"hour": 11, "minute": 43}
